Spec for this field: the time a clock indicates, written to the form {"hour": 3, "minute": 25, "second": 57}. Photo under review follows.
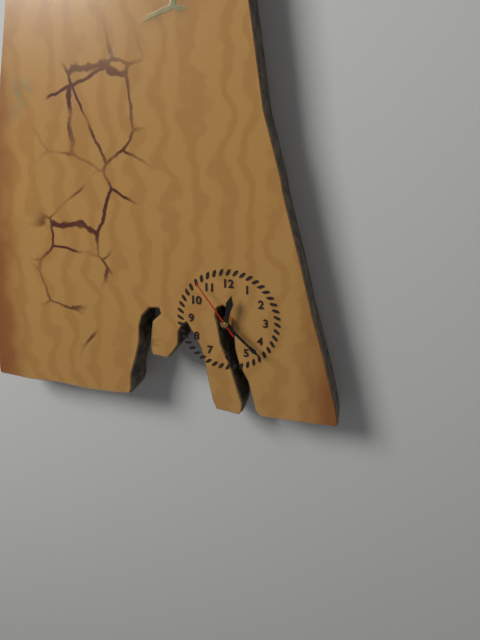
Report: {"hour": 12, "minute": 22, "second": 54}
